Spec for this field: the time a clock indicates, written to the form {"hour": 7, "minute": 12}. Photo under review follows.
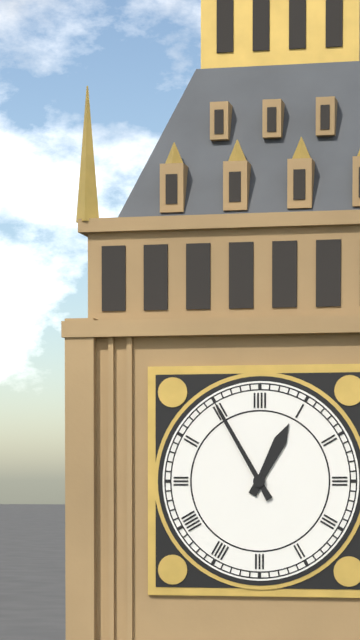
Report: {"hour": 12, "minute": 55}
